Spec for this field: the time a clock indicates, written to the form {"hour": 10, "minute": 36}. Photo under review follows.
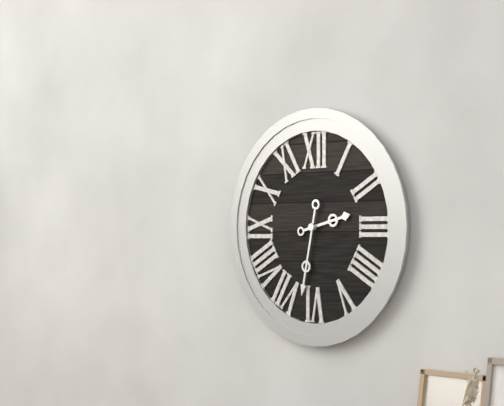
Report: {"hour": 2, "minute": 32}
